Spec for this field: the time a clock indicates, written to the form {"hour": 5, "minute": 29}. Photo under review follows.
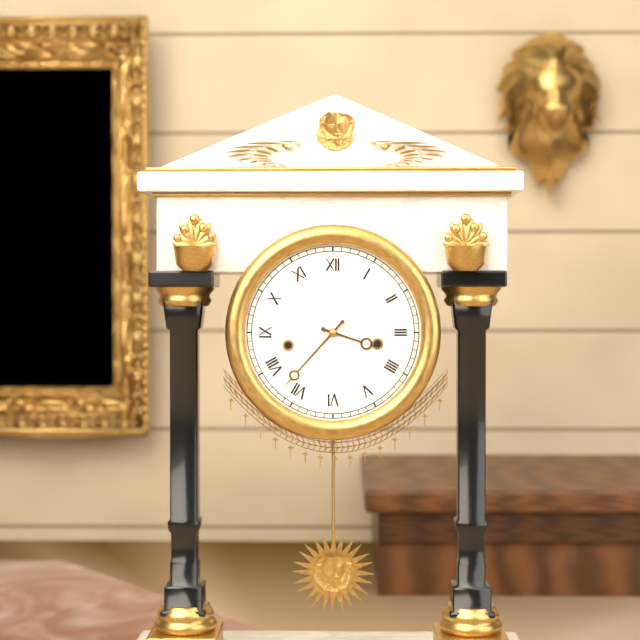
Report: {"hour": 3, "minute": 37}
